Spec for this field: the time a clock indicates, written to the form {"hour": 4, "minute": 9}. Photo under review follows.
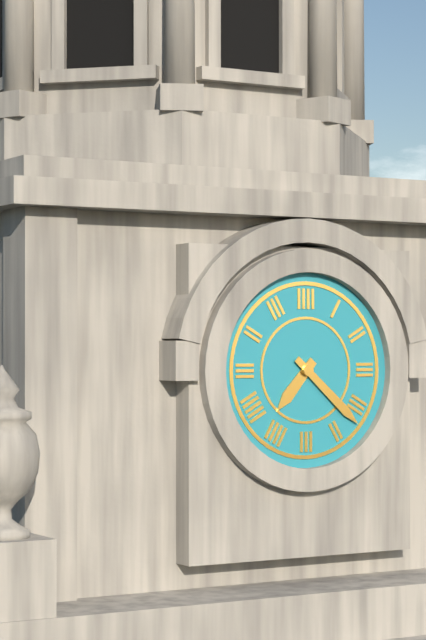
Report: {"hour": 7, "minute": 22}
